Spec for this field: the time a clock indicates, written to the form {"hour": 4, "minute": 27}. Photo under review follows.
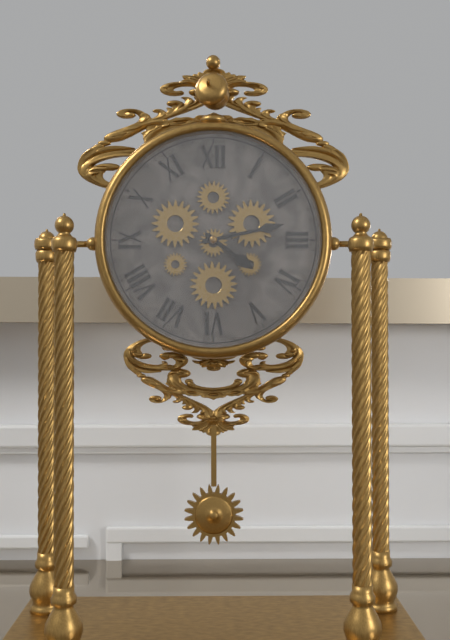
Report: {"hour": 4, "minute": 13}
